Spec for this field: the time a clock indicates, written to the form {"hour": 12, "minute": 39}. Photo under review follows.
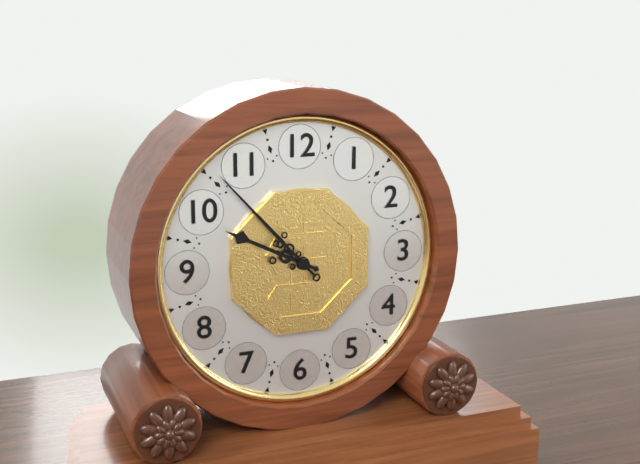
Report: {"hour": 9, "minute": 53}
